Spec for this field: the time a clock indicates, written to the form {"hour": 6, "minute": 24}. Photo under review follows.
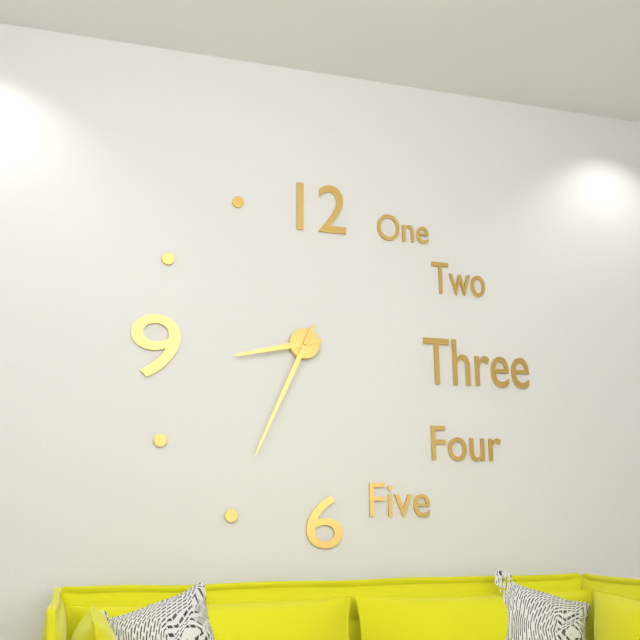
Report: {"hour": 8, "minute": 34}
